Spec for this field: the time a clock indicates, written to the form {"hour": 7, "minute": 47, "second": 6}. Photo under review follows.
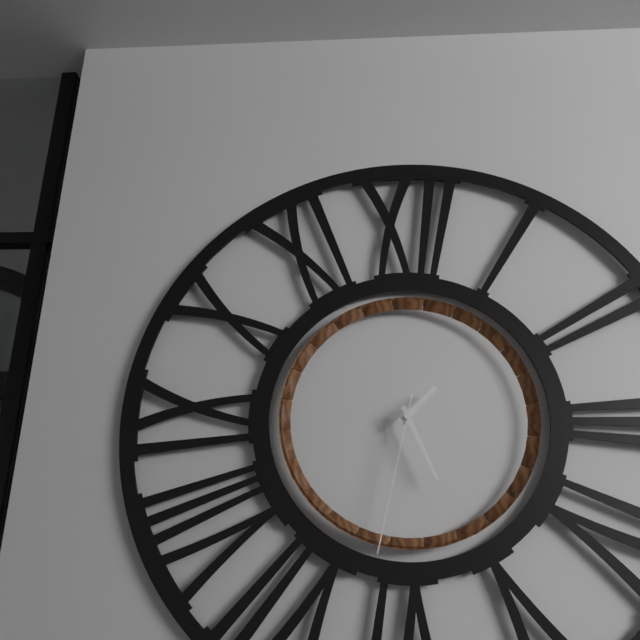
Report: {"hour": 1, "minute": 26, "second": 32}
